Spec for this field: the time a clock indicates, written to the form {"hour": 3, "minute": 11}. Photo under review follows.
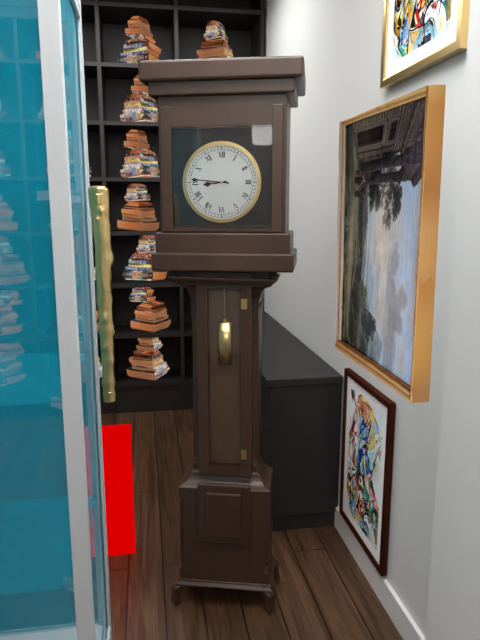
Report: {"hour": 8, "minute": 46}
